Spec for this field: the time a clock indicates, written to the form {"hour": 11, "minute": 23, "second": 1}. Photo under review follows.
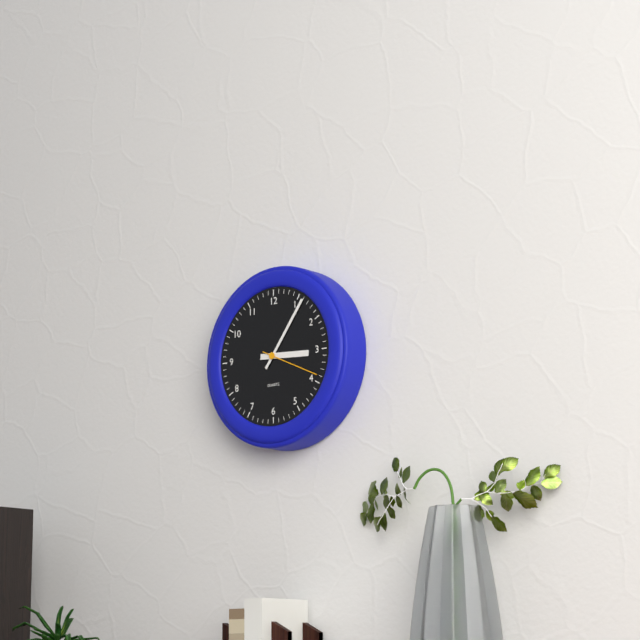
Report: {"hour": 3, "minute": 6, "second": 19}
